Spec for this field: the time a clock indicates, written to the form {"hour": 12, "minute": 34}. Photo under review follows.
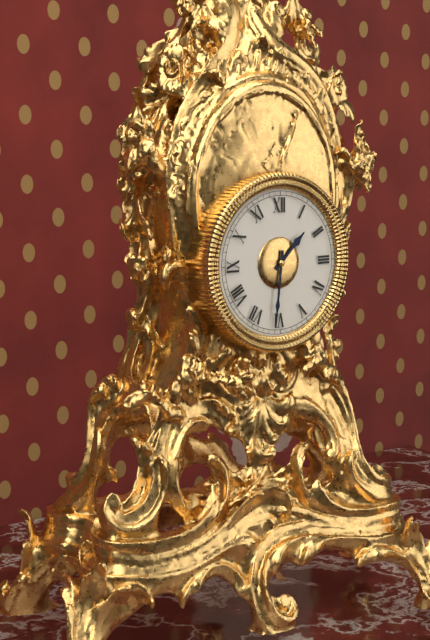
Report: {"hour": 1, "minute": 31}
